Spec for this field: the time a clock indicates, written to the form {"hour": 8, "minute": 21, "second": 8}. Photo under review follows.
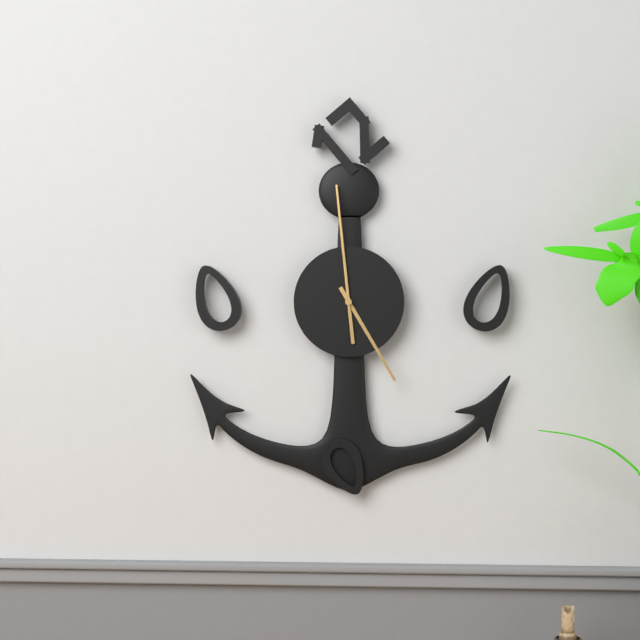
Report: {"hour": 4, "minute": 59, "second": 59}
